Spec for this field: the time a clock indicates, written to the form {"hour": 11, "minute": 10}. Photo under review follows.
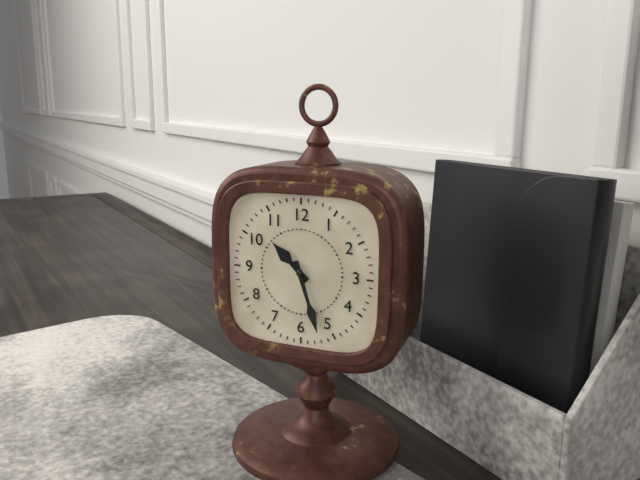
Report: {"hour": 10, "minute": 27}
